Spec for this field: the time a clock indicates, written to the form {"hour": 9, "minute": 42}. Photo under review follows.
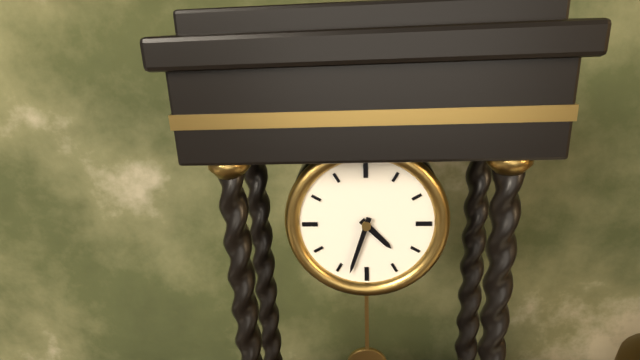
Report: {"hour": 4, "minute": 33}
